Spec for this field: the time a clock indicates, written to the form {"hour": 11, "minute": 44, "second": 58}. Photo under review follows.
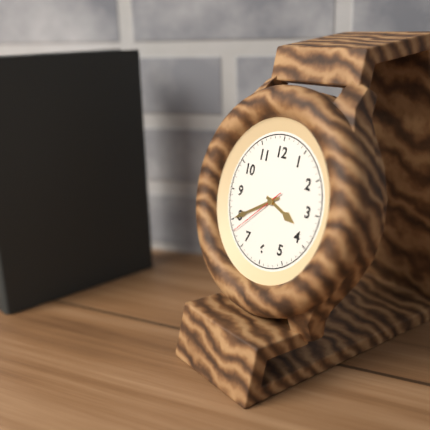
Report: {"hour": 3, "minute": 40, "second": 38}
